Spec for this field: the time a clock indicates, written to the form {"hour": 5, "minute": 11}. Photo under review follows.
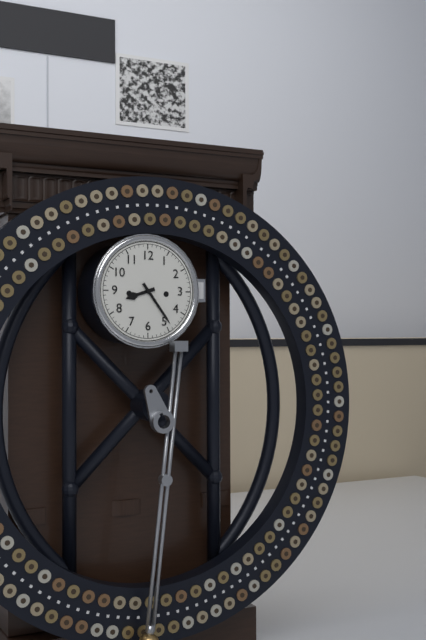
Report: {"hour": 8, "minute": 24}
